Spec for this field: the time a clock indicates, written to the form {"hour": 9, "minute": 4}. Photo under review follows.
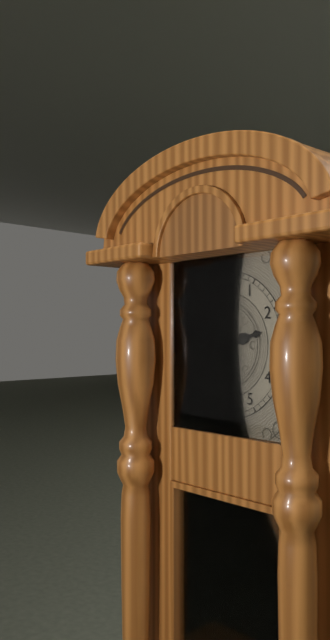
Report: {"hour": 2, "minute": 29}
